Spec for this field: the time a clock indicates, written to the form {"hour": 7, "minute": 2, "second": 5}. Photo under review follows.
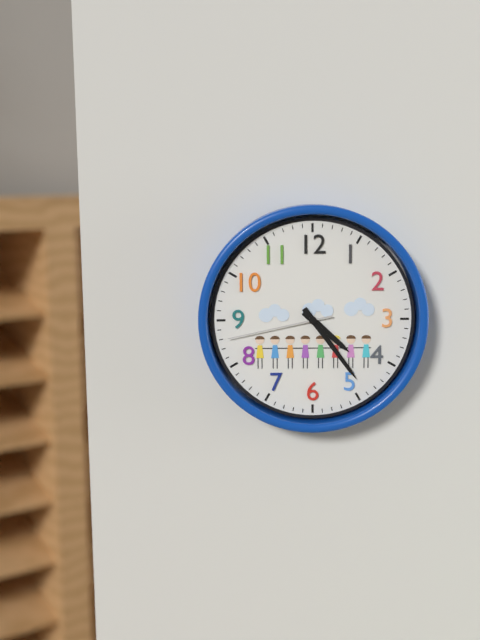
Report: {"hour": 4, "minute": 24, "second": 43}
